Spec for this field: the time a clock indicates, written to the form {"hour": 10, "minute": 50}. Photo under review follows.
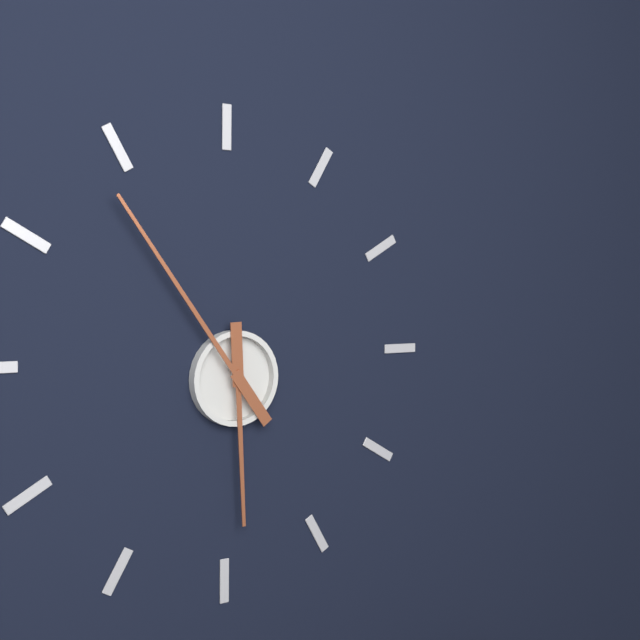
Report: {"hour": 5, "minute": 54}
